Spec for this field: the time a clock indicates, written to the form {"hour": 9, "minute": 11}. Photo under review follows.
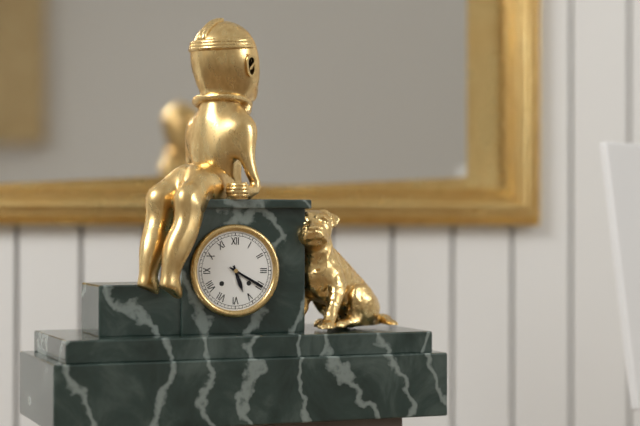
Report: {"hour": 5, "minute": 20}
